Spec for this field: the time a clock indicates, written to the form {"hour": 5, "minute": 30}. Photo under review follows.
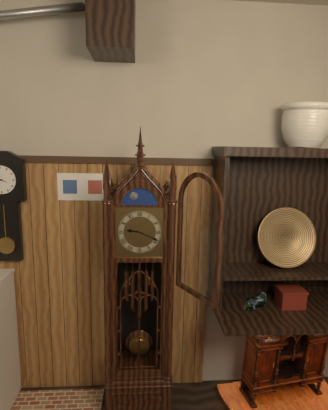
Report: {"hour": 9, "minute": 19}
